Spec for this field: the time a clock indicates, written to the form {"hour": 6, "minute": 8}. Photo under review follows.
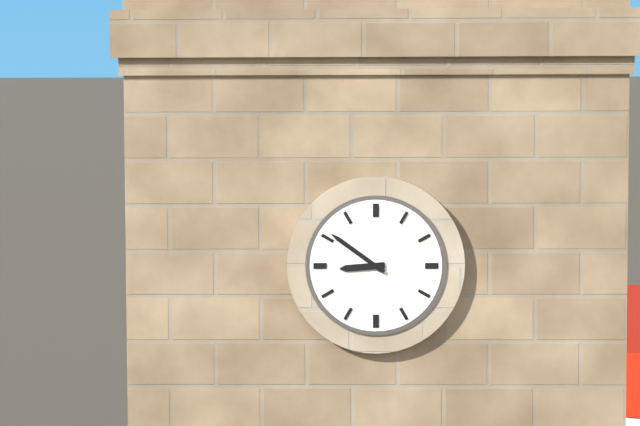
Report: {"hour": 8, "minute": 51}
